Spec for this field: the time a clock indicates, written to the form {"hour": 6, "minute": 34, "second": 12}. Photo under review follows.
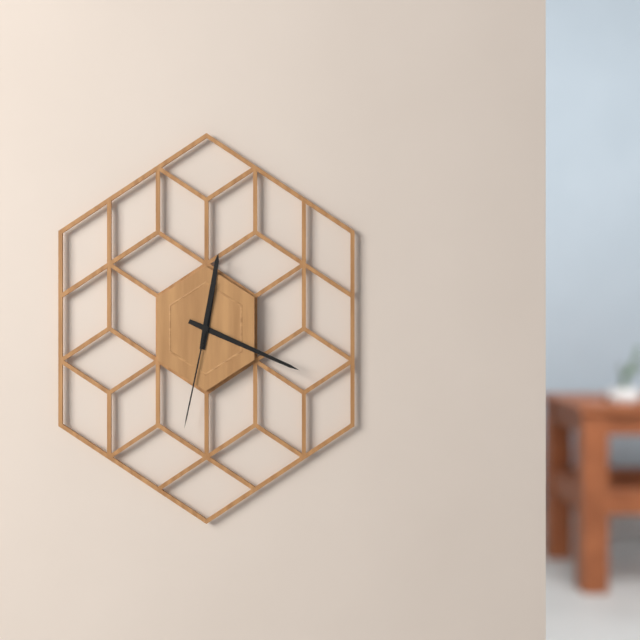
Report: {"hour": 12, "minute": 19, "second": 32}
